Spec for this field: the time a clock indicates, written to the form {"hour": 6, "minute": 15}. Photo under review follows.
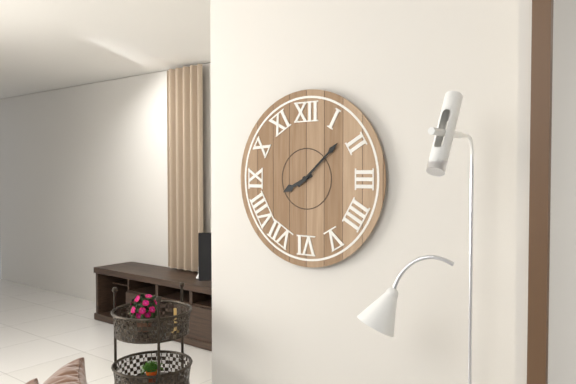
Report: {"hour": 8, "minute": 8}
